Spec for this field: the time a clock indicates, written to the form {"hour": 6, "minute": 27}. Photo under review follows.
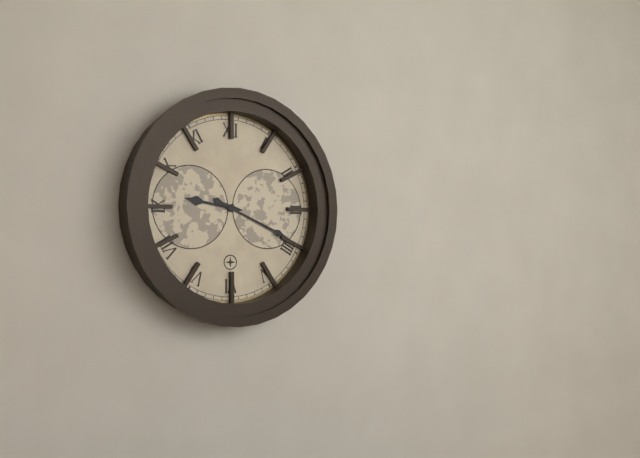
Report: {"hour": 9, "minute": 19}
